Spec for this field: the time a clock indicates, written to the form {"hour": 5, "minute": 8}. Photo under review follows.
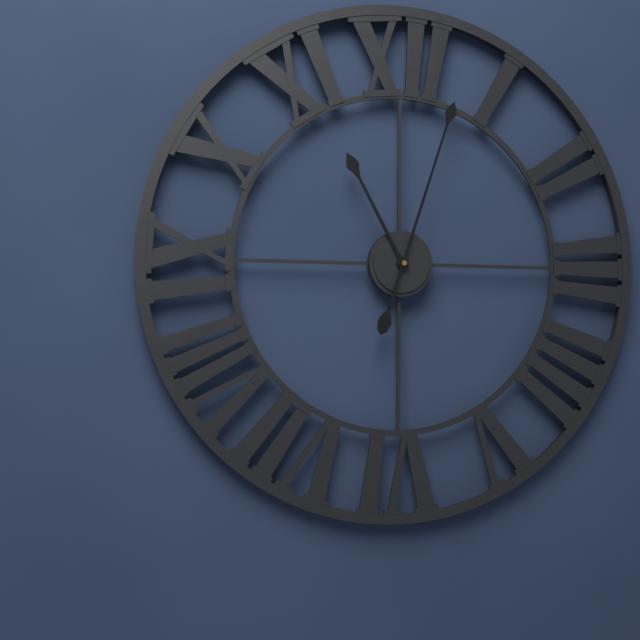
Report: {"hour": 11, "minute": 3}
